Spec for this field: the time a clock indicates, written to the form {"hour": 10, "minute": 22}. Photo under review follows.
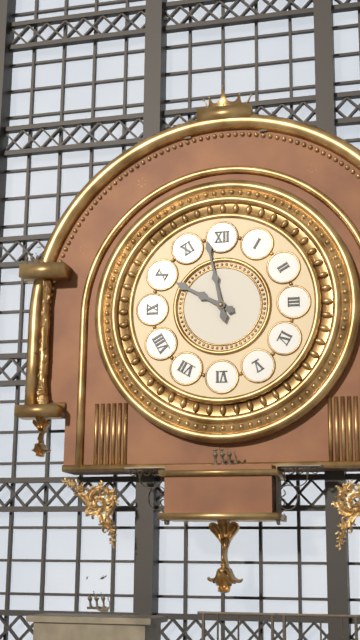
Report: {"hour": 9, "minute": 58}
